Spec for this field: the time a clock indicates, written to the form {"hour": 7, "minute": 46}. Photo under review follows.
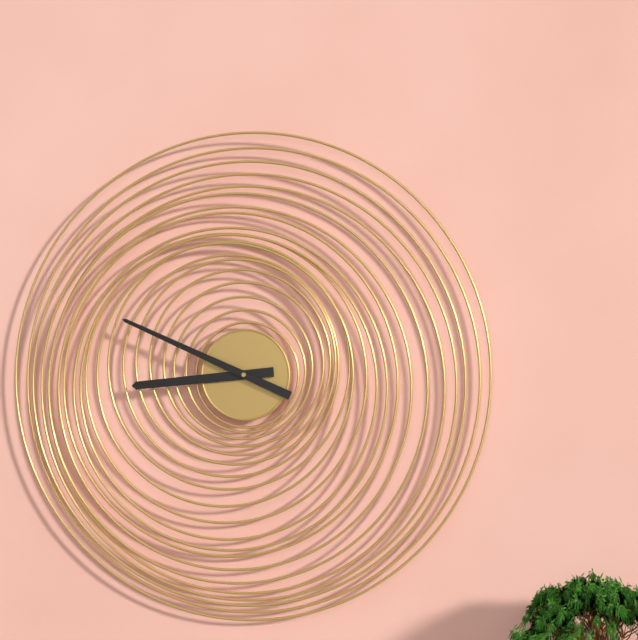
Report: {"hour": 8, "minute": 49}
